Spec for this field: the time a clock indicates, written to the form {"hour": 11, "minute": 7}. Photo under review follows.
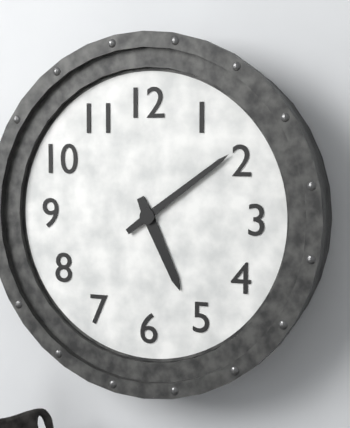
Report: {"hour": 5, "minute": 9}
